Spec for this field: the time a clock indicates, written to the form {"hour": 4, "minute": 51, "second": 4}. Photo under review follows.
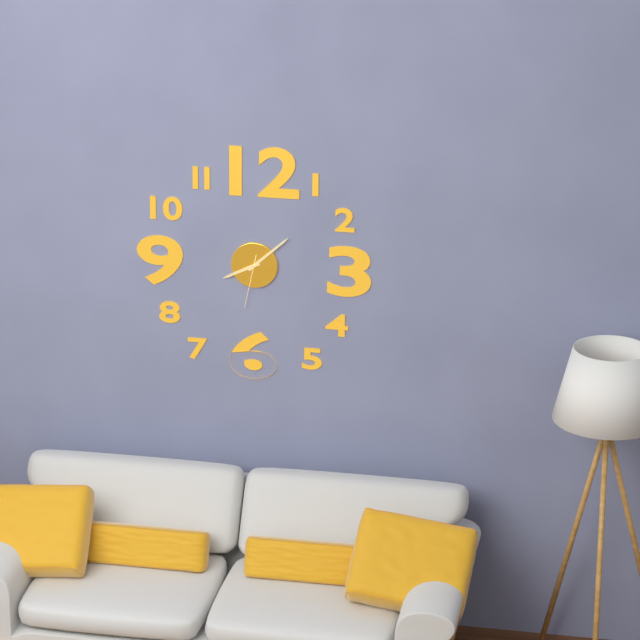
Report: {"hour": 8, "minute": 8, "second": 32}
